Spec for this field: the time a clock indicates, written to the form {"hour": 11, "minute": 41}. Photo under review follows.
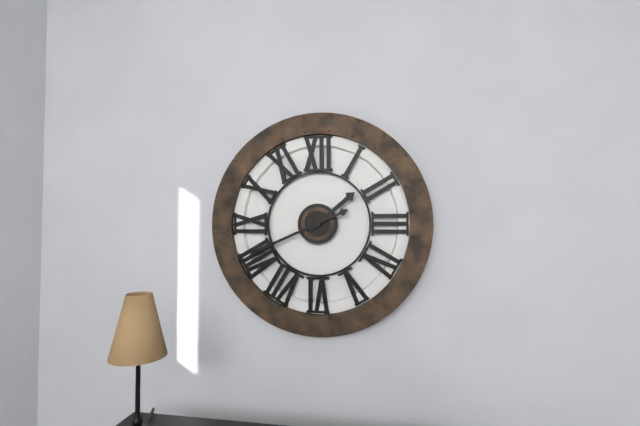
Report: {"hour": 1, "minute": 41}
